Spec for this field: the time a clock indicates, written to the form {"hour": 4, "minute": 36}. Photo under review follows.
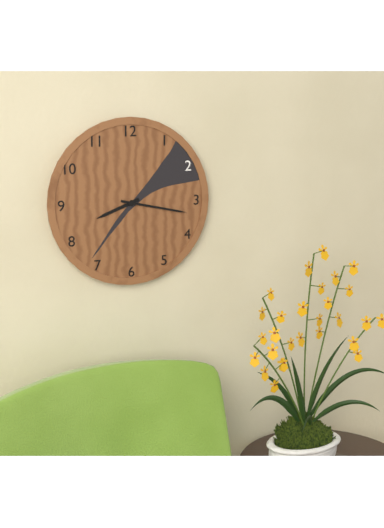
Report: {"hour": 8, "minute": 17}
